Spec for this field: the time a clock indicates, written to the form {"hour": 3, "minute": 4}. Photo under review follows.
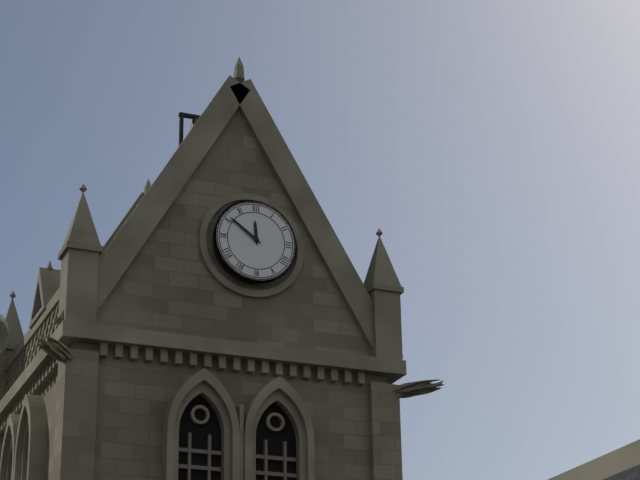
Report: {"hour": 11, "minute": 51}
